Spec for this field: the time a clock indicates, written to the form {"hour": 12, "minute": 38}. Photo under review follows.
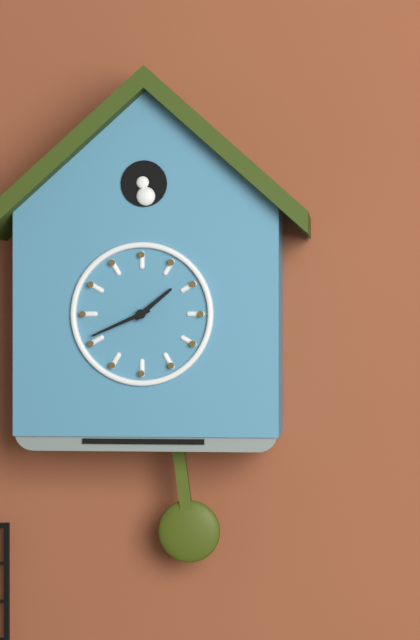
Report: {"hour": 1, "minute": 41}
